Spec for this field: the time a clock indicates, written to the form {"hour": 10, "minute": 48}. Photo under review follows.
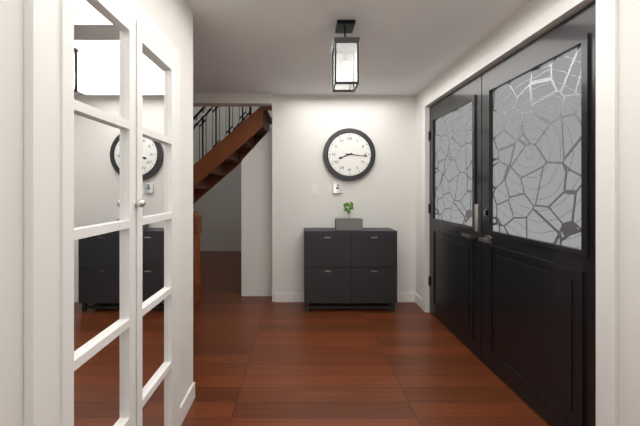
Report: {"hour": 8, "minute": 16}
